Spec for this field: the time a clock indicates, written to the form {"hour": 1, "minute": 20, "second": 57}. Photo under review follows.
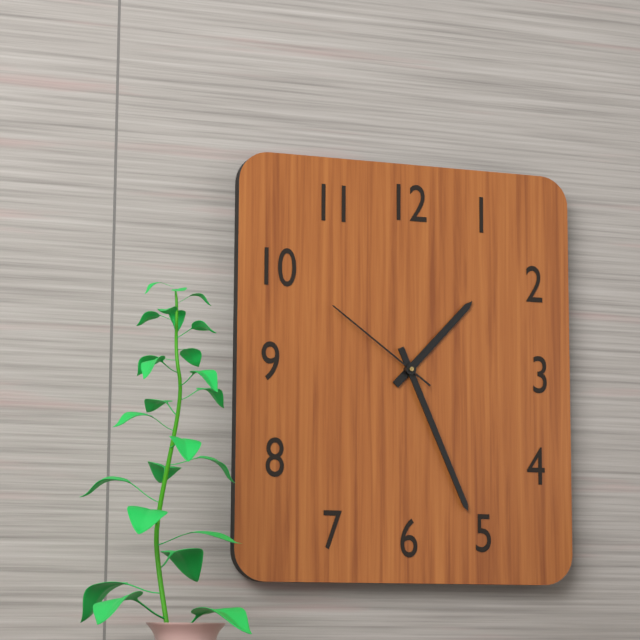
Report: {"hour": 1, "minute": 26, "second": 51}
